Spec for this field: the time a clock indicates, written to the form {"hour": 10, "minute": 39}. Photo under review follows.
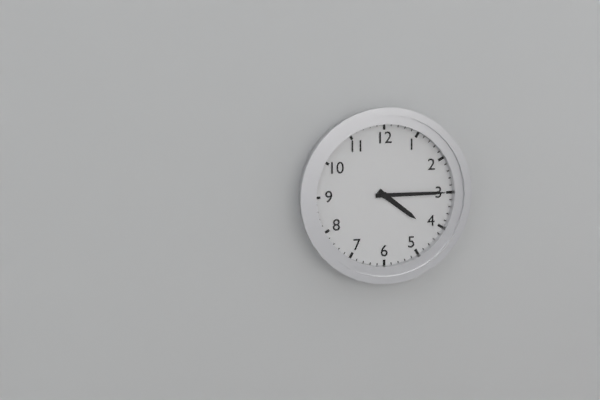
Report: {"hour": 4, "minute": 15}
